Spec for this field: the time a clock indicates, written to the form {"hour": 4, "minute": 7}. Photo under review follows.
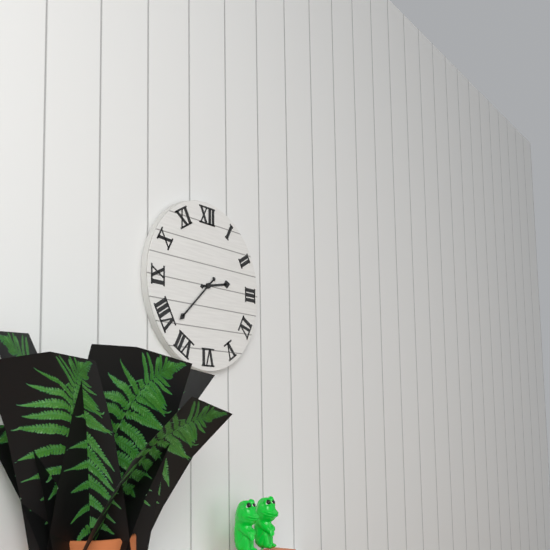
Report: {"hour": 2, "minute": 38}
